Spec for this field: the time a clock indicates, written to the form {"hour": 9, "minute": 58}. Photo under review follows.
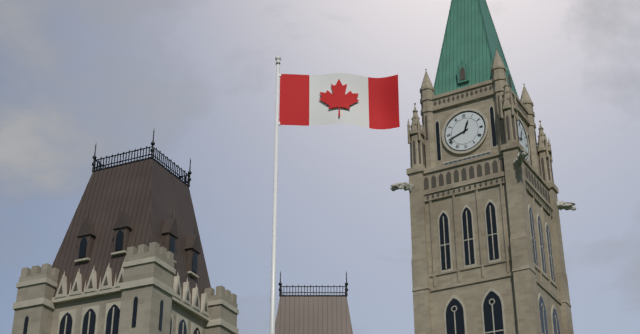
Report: {"hour": 12, "minute": 42}
